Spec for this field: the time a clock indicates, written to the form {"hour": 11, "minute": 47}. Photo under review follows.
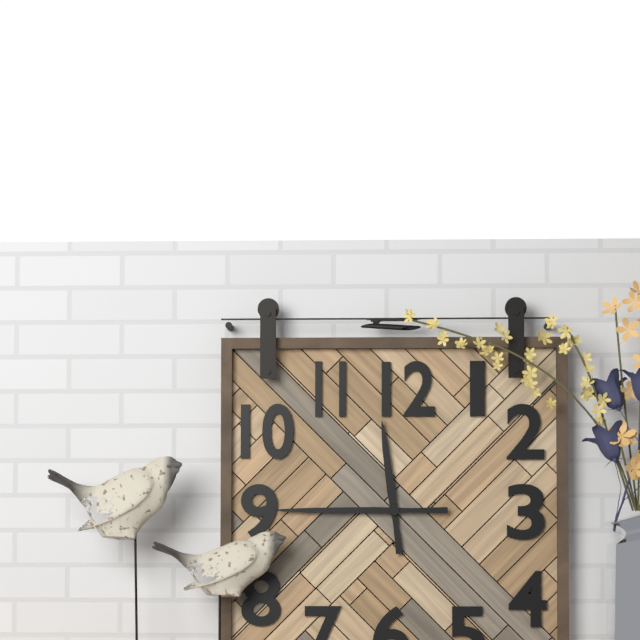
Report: {"hour": 11, "minute": 45}
